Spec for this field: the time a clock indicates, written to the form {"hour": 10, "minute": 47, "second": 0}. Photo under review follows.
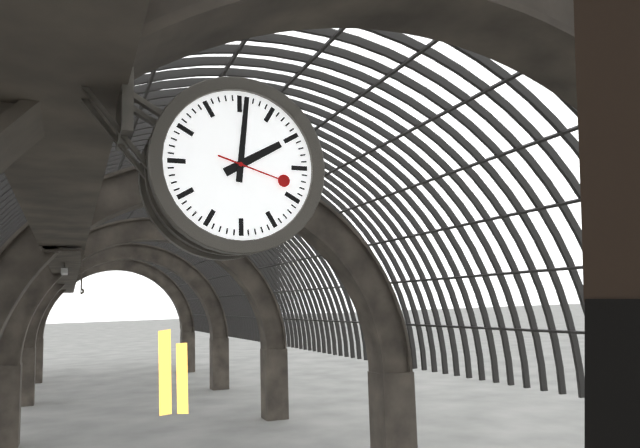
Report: {"hour": 2, "minute": 1, "second": 18}
